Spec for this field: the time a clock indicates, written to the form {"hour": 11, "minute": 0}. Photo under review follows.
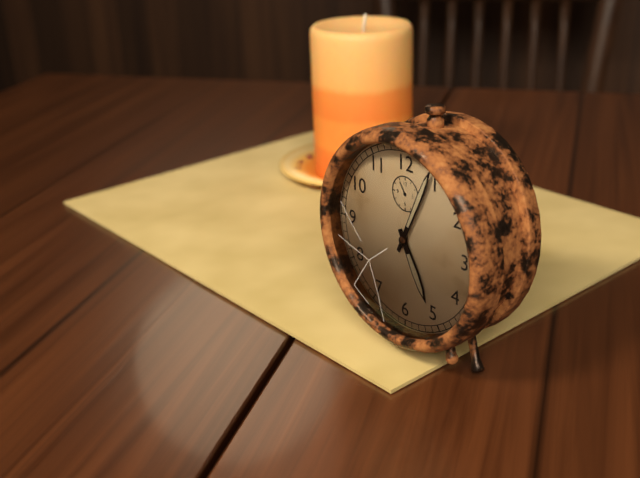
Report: {"hour": 5, "minute": 4}
